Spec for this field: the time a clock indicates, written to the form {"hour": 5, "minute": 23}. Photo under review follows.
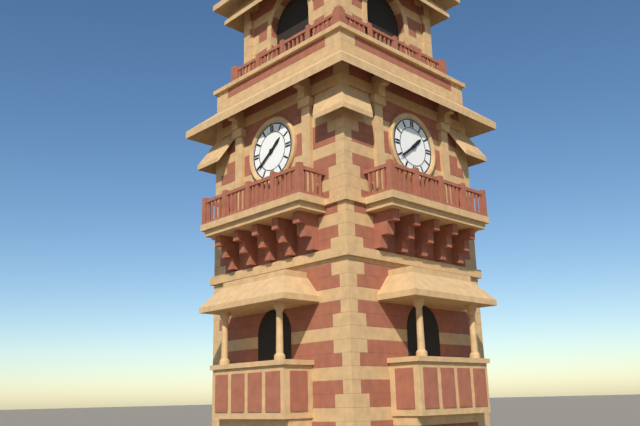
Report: {"hour": 1, "minute": 39}
